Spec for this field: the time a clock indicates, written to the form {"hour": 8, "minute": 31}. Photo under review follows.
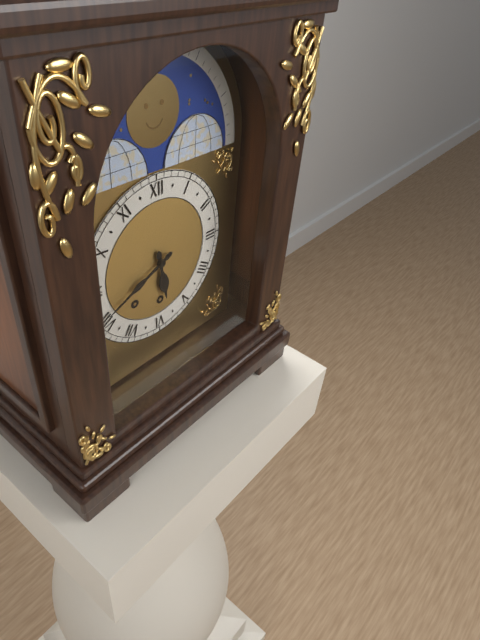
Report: {"hour": 5, "minute": 41}
